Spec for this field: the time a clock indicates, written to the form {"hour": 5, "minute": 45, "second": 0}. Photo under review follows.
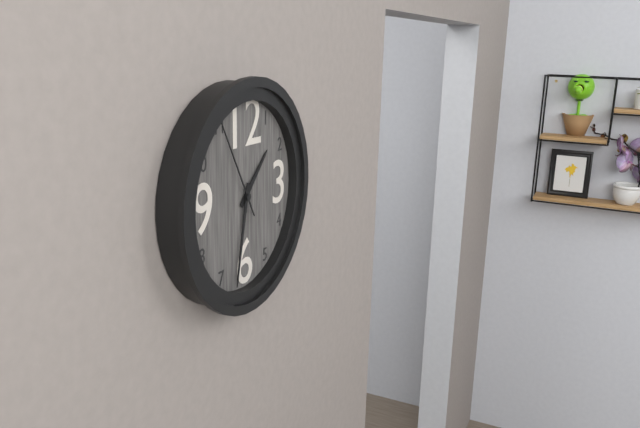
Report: {"hour": 1, "minute": 32, "second": 55}
